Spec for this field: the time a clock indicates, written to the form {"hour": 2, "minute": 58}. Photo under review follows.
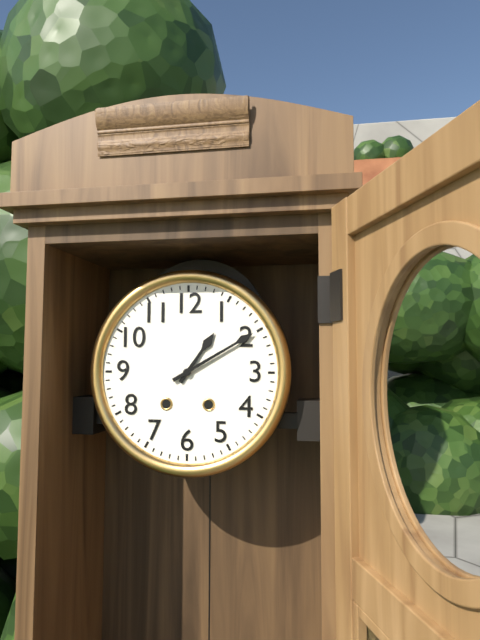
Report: {"hour": 1, "minute": 10}
